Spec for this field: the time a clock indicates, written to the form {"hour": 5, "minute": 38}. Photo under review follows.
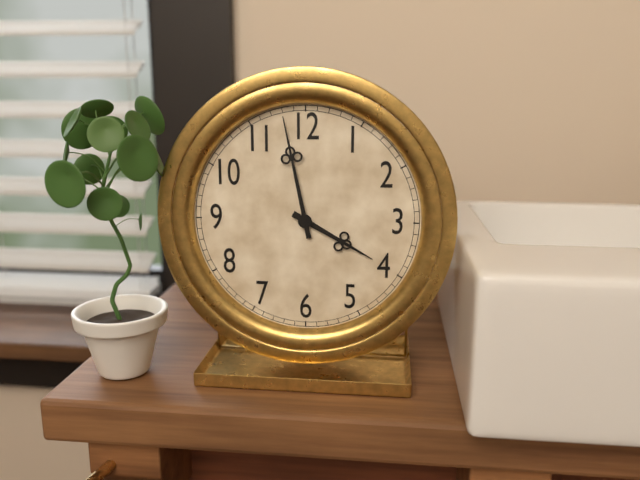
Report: {"hour": 3, "minute": 58}
